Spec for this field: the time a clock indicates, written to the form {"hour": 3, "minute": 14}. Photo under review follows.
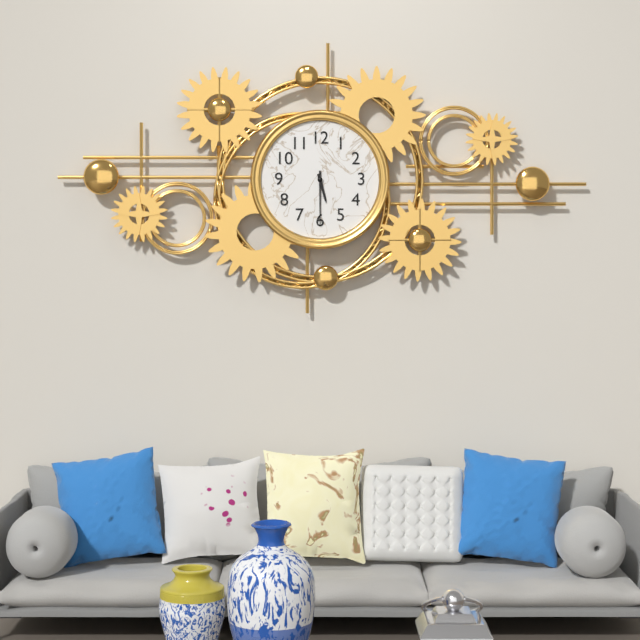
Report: {"hour": 5, "minute": 30}
